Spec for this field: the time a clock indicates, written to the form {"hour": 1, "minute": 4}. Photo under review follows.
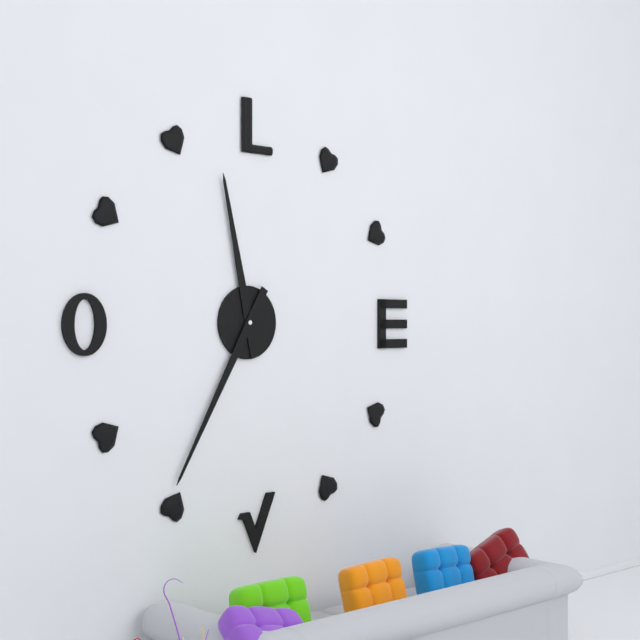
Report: {"hour": 11, "minute": 35}
